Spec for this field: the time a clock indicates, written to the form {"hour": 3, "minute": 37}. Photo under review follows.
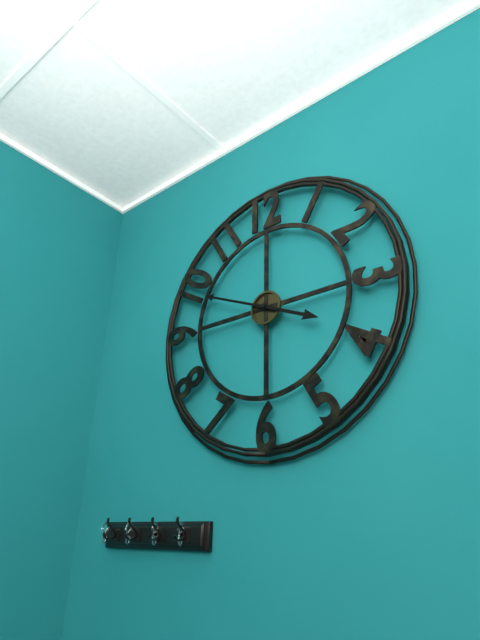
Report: {"hour": 3, "minute": 49}
